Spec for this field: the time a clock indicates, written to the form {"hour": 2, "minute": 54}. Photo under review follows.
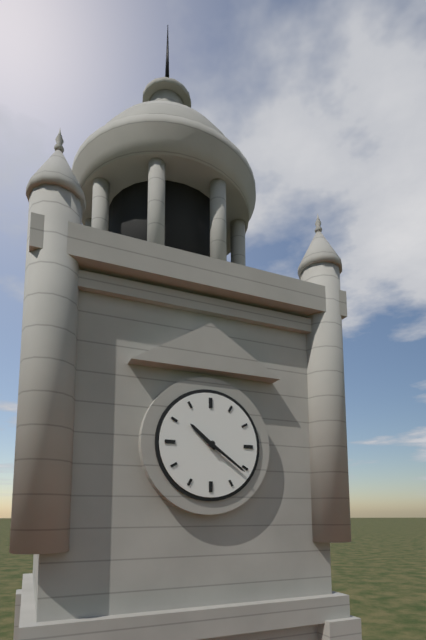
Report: {"hour": 10, "minute": 21}
